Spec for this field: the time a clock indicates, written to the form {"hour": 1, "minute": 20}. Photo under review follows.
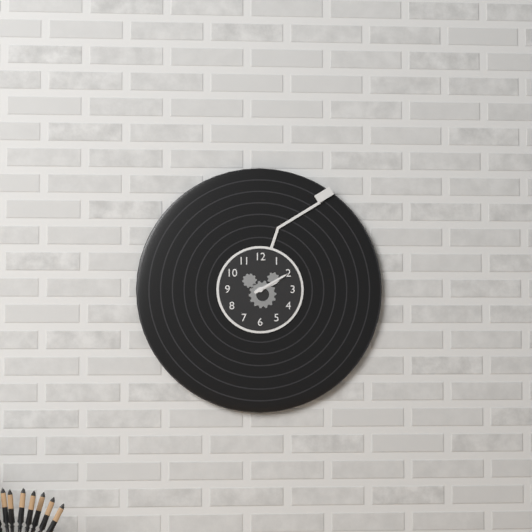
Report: {"hour": 2, "minute": 10}
